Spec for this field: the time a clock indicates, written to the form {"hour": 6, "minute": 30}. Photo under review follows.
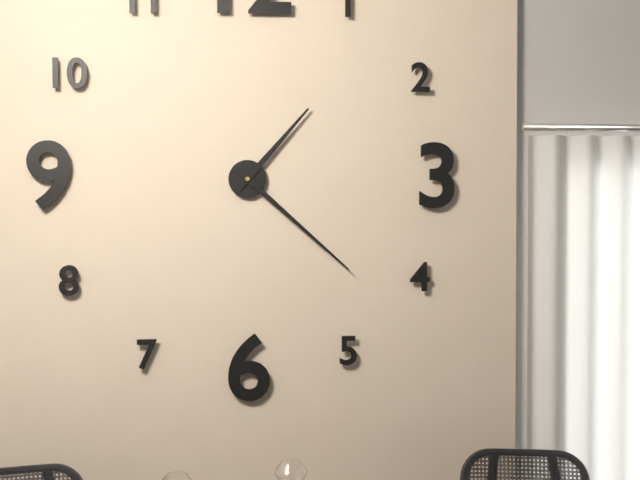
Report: {"hour": 1, "minute": 22}
